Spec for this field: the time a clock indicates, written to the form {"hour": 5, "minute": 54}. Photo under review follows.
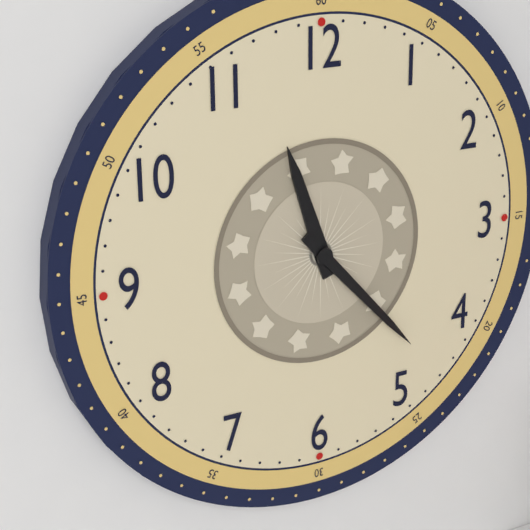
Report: {"hour": 11, "minute": 23}
